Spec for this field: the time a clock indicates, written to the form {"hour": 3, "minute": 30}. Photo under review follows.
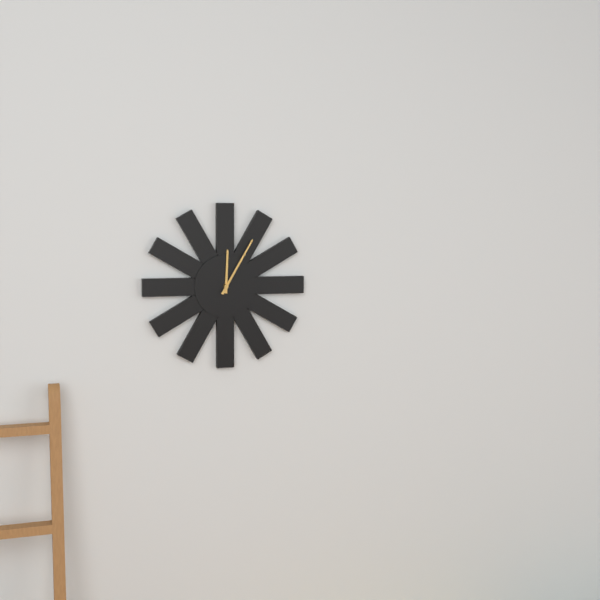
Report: {"hour": 12, "minute": 5}
